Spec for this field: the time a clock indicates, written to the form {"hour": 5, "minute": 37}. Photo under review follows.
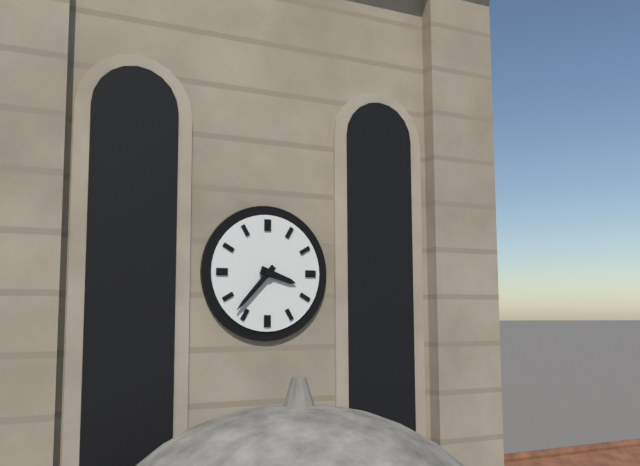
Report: {"hour": 3, "minute": 37}
